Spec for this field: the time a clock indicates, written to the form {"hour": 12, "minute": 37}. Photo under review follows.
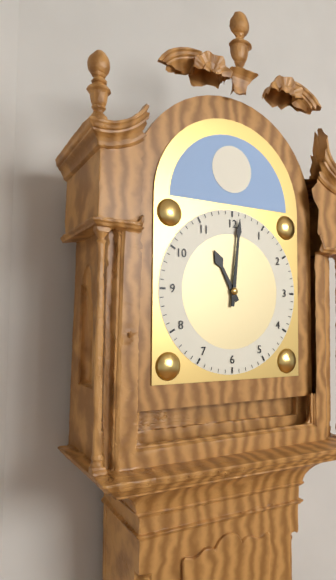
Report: {"hour": 11, "minute": 1}
